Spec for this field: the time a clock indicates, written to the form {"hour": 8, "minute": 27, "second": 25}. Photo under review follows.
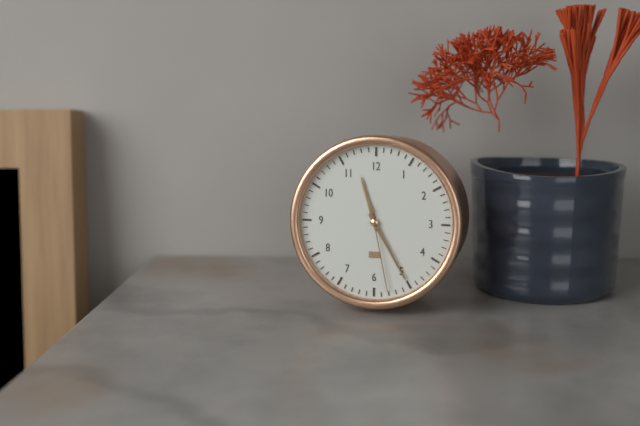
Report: {"hour": 11, "minute": 25, "second": 28}
